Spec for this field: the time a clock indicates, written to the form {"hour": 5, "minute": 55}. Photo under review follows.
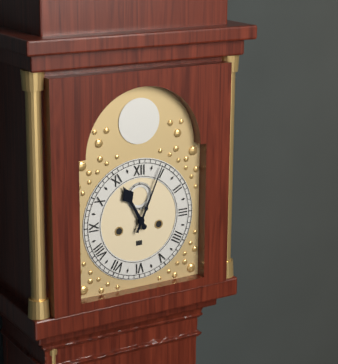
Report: {"hour": 11, "minute": 4}
